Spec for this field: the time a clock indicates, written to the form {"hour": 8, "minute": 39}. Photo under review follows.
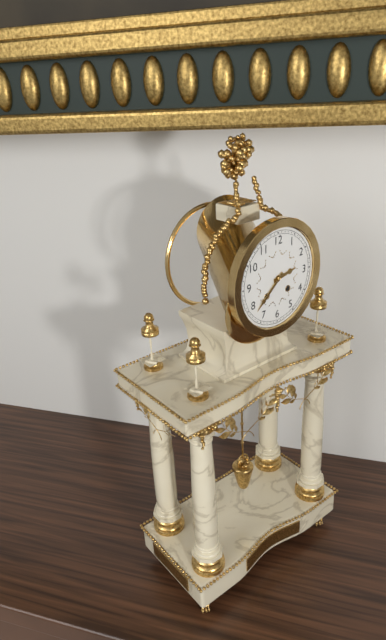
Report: {"hour": 2, "minute": 38}
